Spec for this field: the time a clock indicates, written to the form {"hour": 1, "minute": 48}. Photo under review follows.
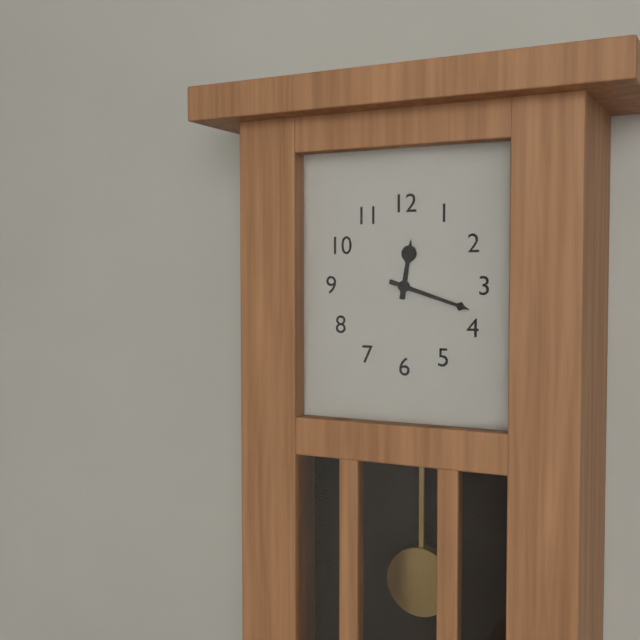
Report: {"hour": 12, "minute": 18}
